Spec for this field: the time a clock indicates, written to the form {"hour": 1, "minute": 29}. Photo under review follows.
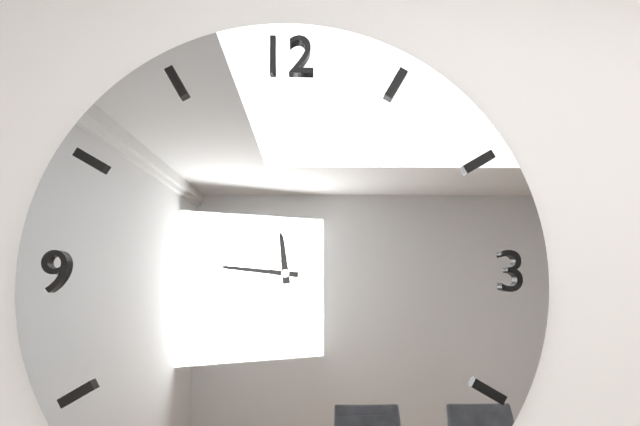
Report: {"hour": 11, "minute": 46}
